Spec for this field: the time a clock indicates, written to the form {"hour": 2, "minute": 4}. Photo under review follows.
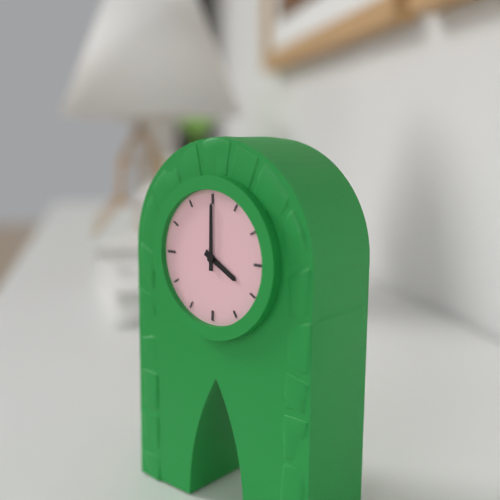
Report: {"hour": 4, "minute": 0}
